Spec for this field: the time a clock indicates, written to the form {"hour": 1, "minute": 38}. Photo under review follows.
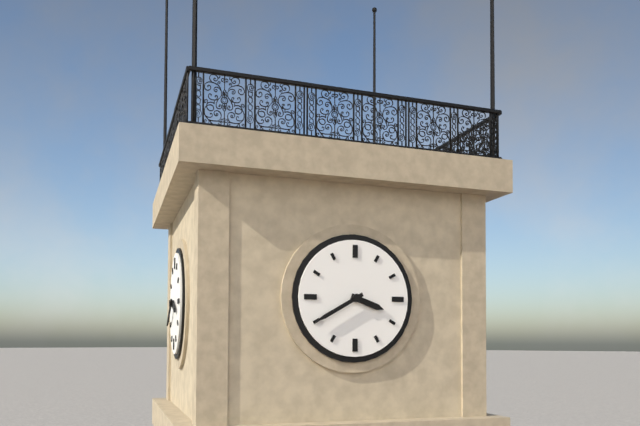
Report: {"hour": 3, "minute": 40}
